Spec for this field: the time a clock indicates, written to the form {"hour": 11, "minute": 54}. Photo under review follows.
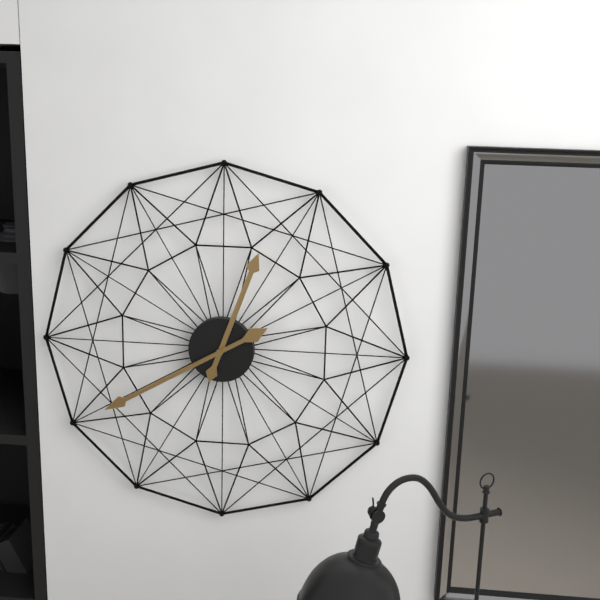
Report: {"hour": 12, "minute": 40}
